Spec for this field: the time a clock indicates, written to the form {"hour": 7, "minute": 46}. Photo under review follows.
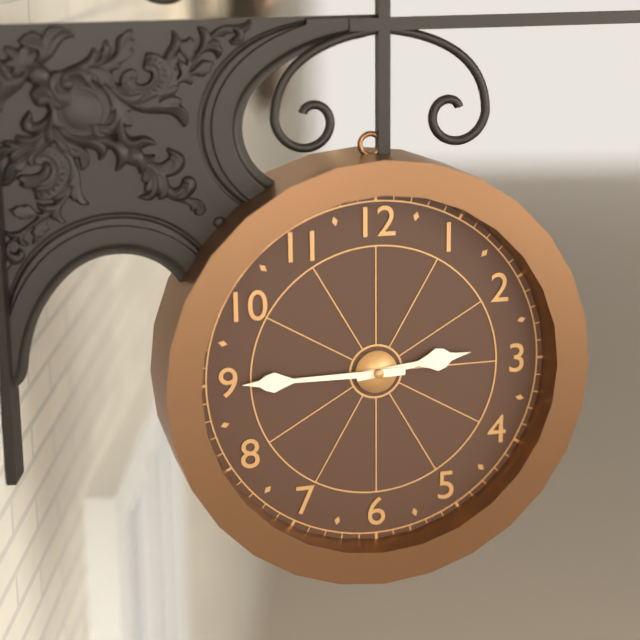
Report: {"hour": 2, "minute": 45}
